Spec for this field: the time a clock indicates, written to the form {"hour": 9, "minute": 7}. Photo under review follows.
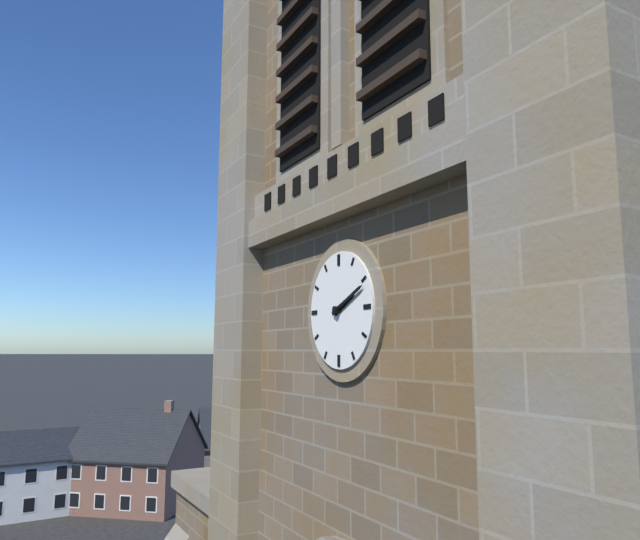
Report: {"hour": 2, "minute": 11}
